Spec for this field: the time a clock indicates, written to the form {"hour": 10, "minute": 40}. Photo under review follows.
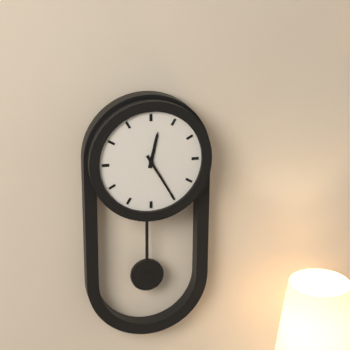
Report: {"hour": 12, "minute": 25}
